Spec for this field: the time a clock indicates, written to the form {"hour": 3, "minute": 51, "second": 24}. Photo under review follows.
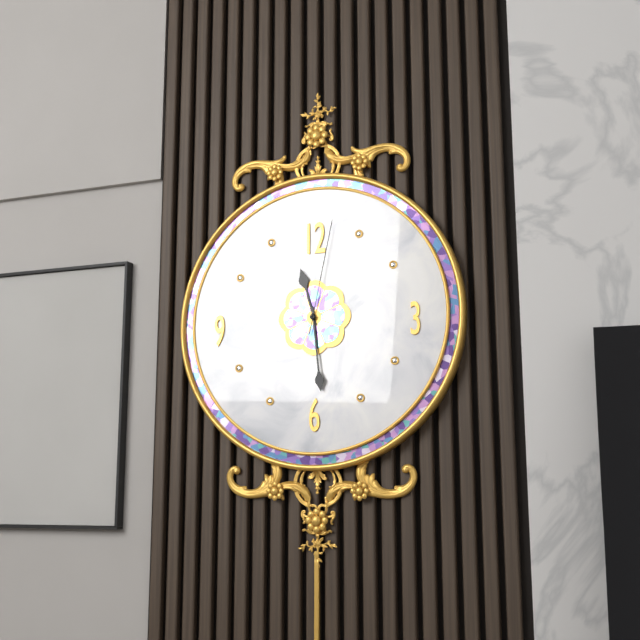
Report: {"hour": 11, "minute": 29, "second": 2}
